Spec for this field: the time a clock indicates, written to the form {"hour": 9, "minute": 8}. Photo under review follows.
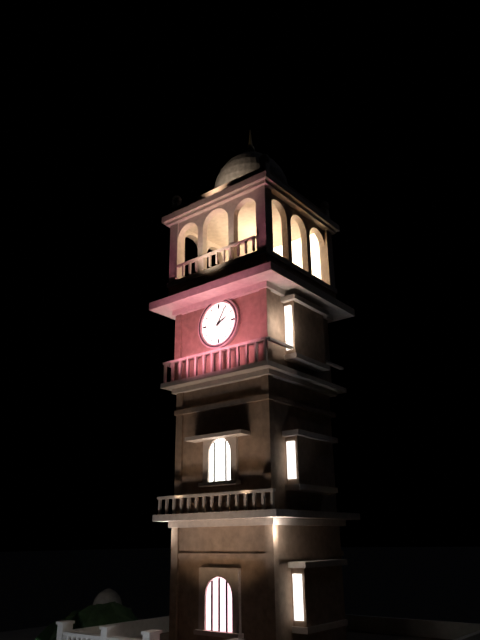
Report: {"hour": 2, "minute": 5}
